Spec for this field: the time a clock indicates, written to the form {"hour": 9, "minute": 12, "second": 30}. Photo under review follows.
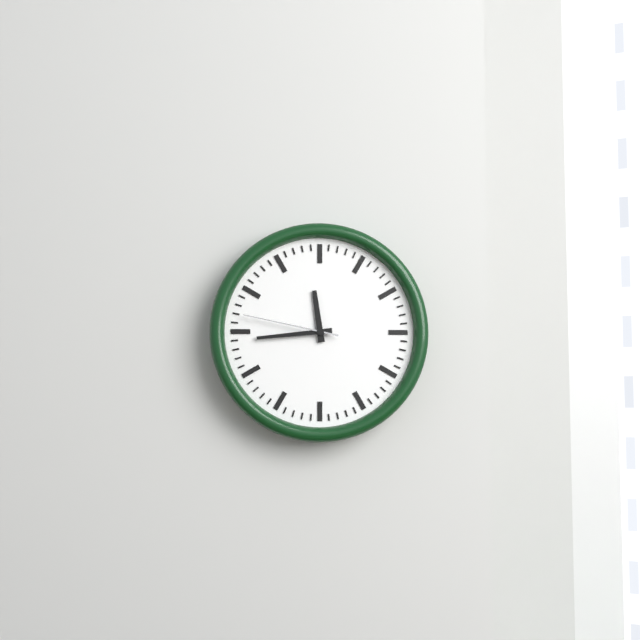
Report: {"hour": 11, "minute": 44, "second": 47}
